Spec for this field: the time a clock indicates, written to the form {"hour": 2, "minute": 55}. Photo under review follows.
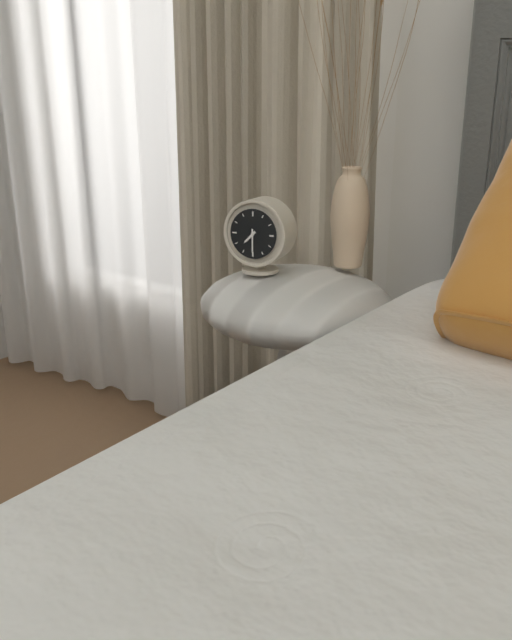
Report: {"hour": 7, "minute": 30}
